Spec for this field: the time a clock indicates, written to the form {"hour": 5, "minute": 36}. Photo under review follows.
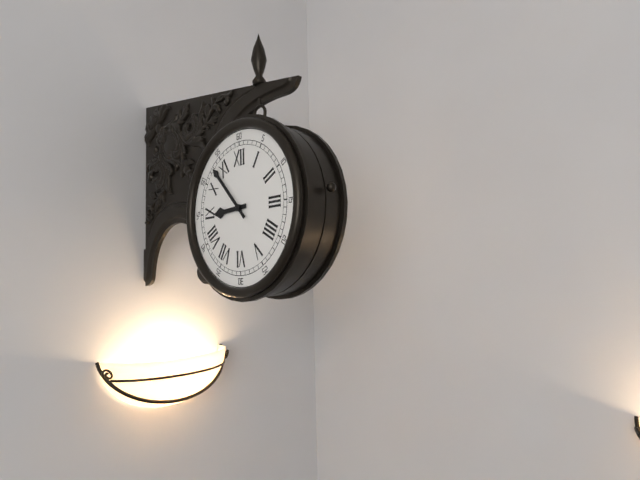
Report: {"hour": 8, "minute": 53}
